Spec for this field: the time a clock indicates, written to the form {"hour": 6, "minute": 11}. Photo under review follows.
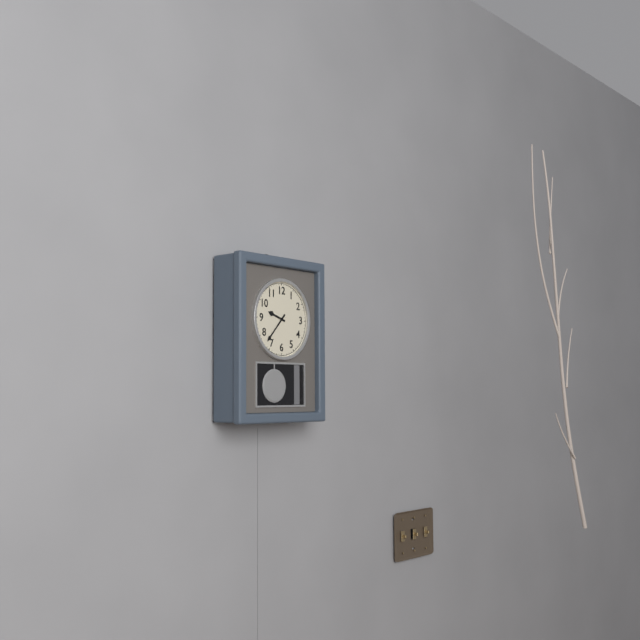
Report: {"hour": 9, "minute": 37}
